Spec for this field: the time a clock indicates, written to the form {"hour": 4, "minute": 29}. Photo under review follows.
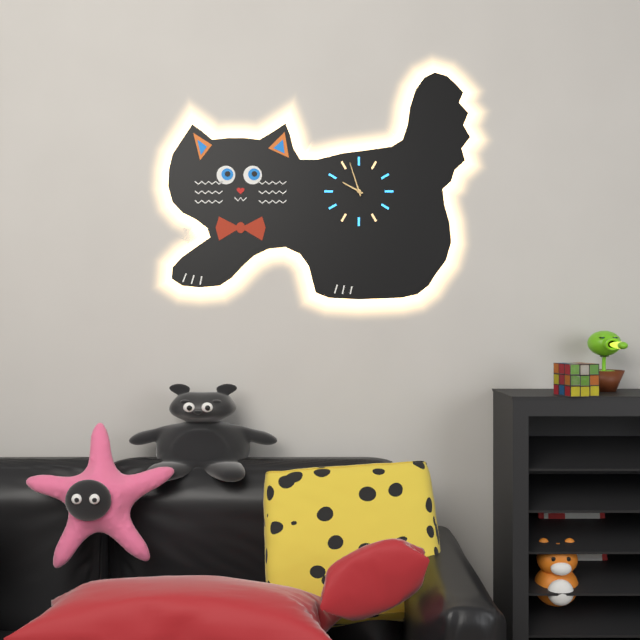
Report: {"hour": 9, "minute": 57}
